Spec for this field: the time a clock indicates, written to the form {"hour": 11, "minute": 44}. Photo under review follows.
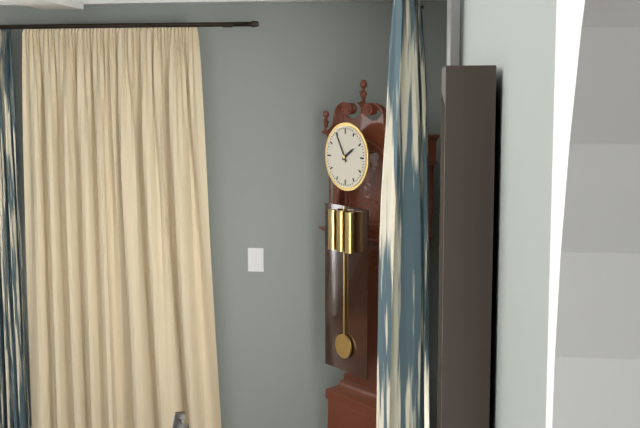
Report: {"hour": 1, "minute": 55}
